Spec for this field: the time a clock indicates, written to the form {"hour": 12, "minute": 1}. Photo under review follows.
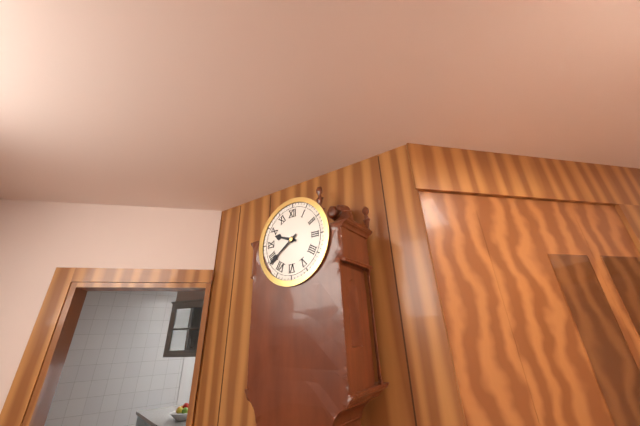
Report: {"hour": 9, "minute": 39}
